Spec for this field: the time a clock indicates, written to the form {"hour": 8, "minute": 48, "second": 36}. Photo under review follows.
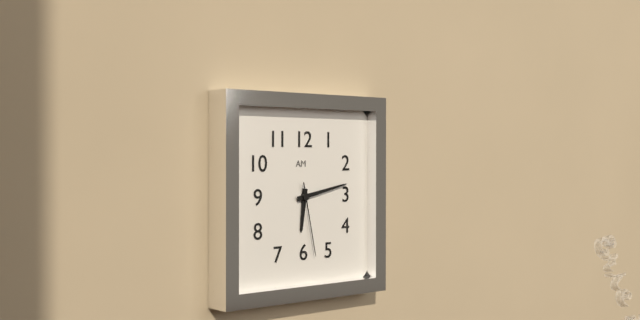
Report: {"hour": 6, "minute": 13, "second": 28}
